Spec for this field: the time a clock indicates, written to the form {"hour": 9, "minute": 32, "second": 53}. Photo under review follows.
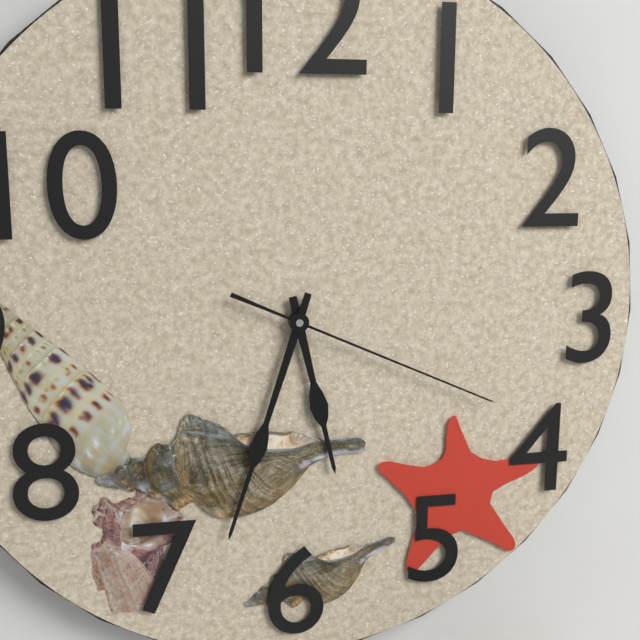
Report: {"hour": 5, "minute": 33, "second": 19}
